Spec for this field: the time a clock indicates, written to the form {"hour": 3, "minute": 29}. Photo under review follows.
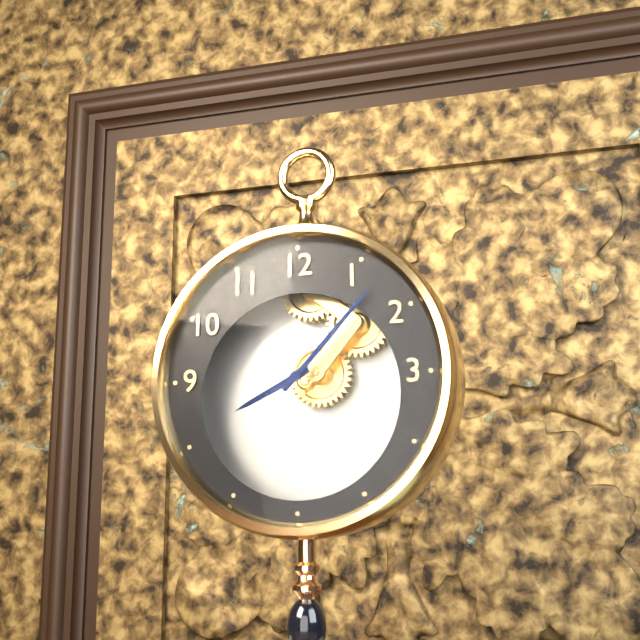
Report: {"hour": 8, "minute": 7}
